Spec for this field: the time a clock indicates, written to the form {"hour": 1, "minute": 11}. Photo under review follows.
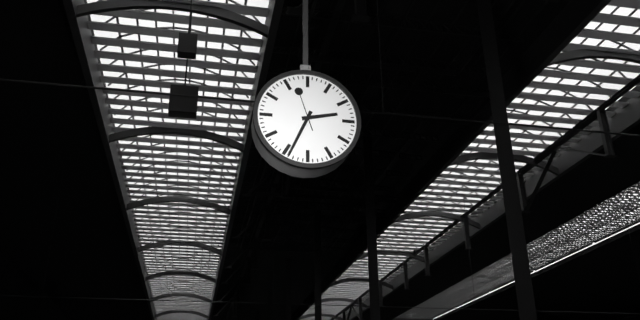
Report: {"hour": 2, "minute": 34}
